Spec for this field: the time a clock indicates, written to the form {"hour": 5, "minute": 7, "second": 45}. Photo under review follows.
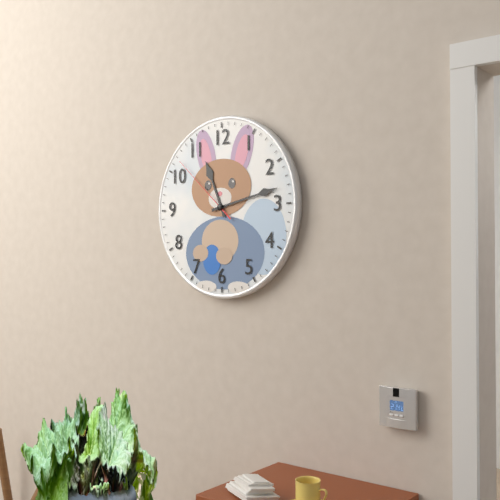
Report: {"hour": 11, "minute": 13, "second": 52}
